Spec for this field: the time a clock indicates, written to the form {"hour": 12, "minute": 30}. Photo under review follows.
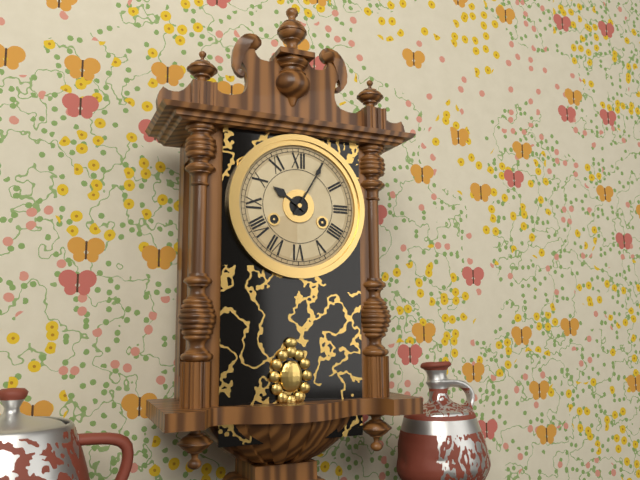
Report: {"hour": 10, "minute": 5}
